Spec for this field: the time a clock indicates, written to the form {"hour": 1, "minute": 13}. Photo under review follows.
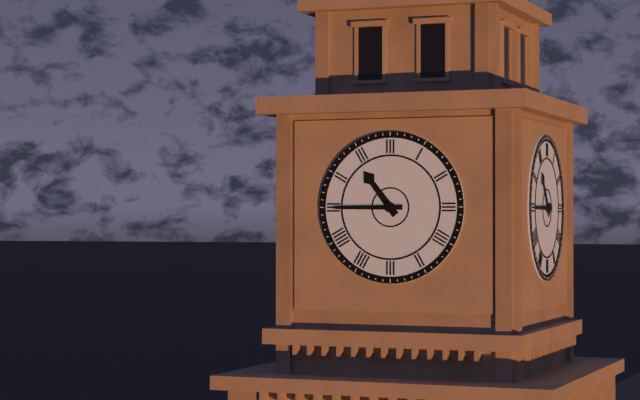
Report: {"hour": 10, "minute": 45}
